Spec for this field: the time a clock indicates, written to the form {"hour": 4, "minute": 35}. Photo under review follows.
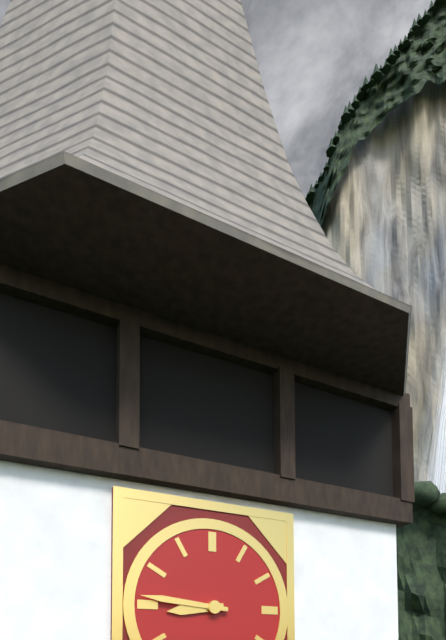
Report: {"hour": 8, "minute": 46}
